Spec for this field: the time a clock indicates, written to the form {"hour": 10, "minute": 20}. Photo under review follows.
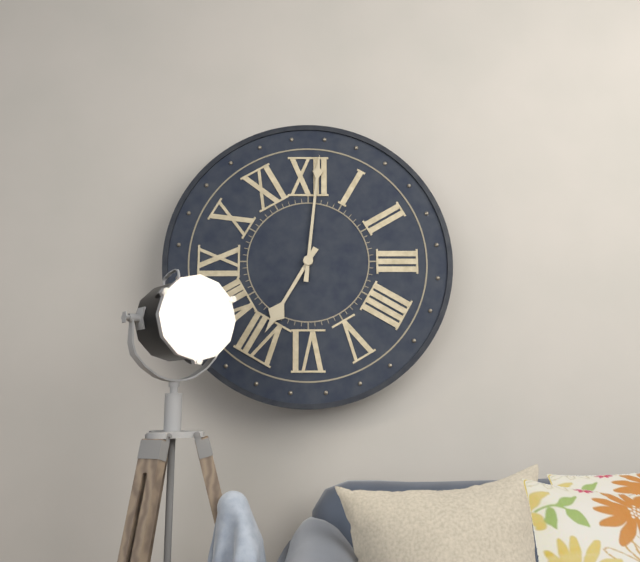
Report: {"hour": 7, "minute": 1}
